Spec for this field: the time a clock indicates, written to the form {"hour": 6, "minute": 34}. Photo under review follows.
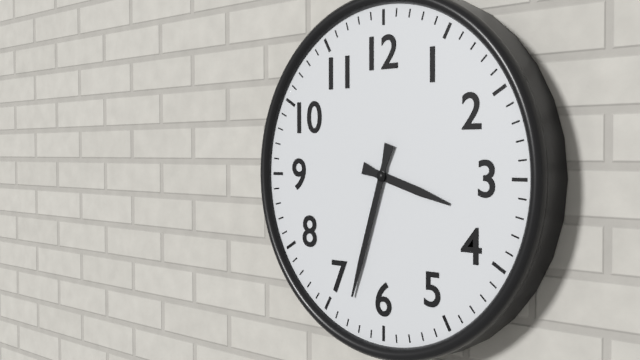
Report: {"hour": 3, "minute": 33}
